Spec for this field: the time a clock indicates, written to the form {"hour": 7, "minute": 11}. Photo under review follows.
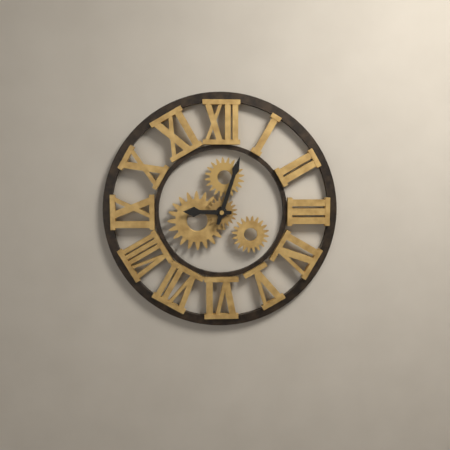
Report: {"hour": 9, "minute": 3}
